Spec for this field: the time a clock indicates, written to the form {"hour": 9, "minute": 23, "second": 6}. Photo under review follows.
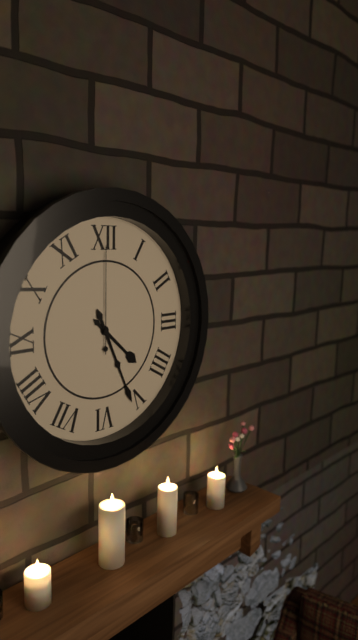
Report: {"hour": 4, "minute": 26, "second": 0}
